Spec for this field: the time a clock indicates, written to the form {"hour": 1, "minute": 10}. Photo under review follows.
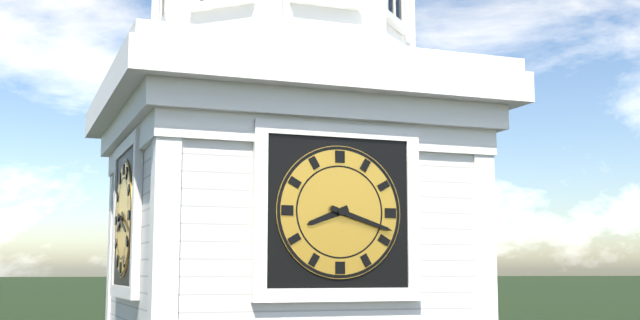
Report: {"hour": 8, "minute": 18}
